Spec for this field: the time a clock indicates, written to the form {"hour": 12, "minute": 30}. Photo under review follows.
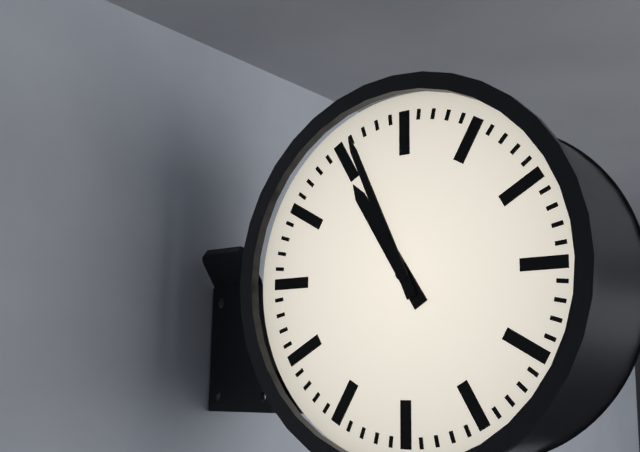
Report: {"hour": 10, "minute": 56}
